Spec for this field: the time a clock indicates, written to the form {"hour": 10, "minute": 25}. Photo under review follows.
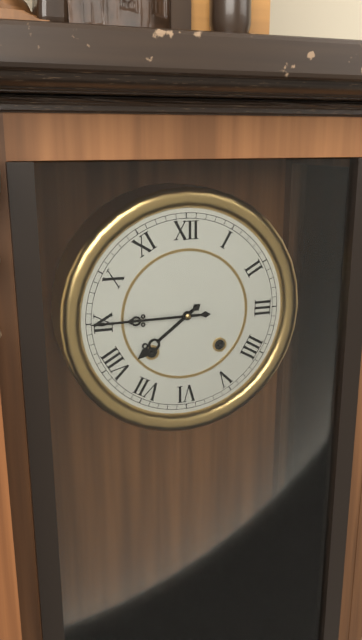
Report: {"hour": 7, "minute": 45}
